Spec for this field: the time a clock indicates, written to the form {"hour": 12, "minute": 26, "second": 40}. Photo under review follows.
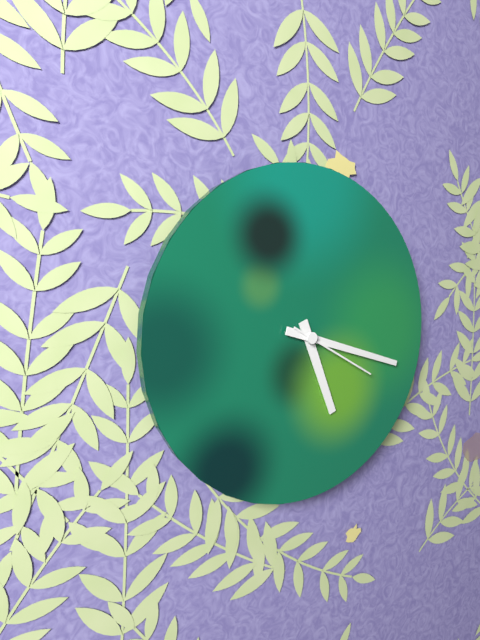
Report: {"hour": 5, "minute": 18, "second": 20}
